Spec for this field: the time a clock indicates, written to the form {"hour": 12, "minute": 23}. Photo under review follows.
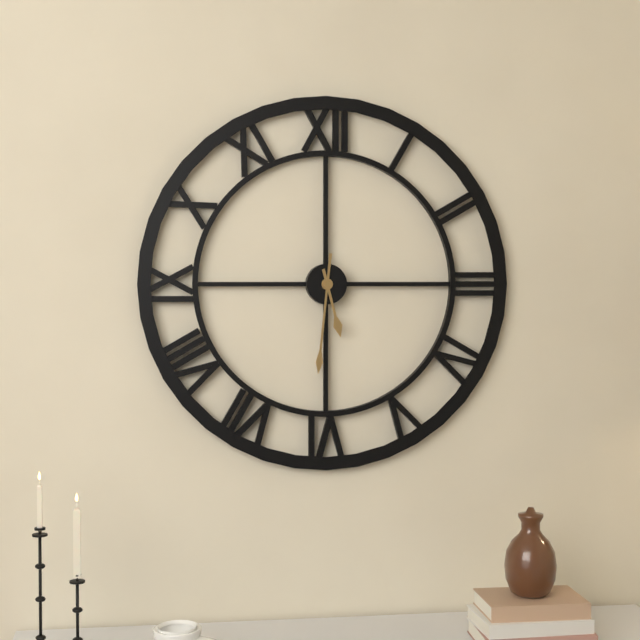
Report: {"hour": 5, "minute": 31}
